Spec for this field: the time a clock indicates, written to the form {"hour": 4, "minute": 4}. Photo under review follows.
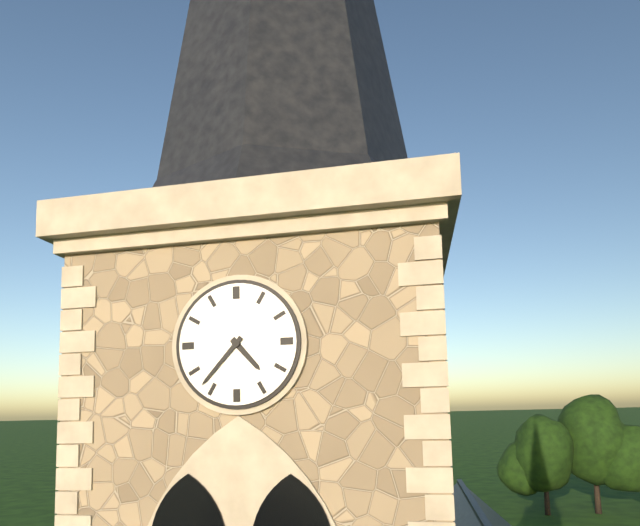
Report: {"hour": 4, "minute": 37}
